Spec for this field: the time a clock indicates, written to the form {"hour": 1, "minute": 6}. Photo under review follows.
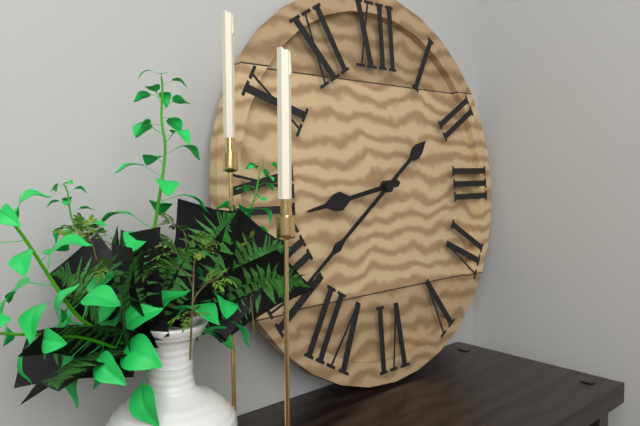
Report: {"hour": 8, "minute": 39}
